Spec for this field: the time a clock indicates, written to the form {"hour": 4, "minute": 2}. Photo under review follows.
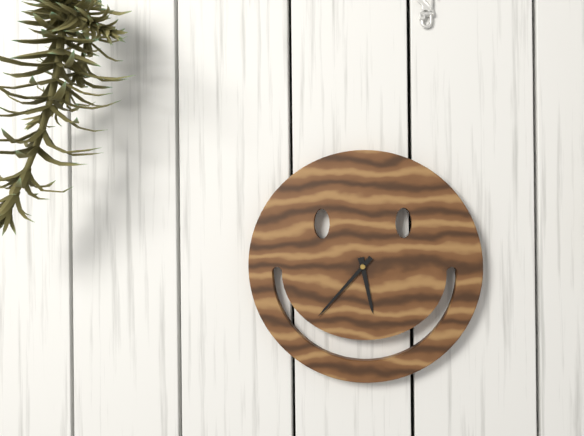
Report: {"hour": 5, "minute": 37}
